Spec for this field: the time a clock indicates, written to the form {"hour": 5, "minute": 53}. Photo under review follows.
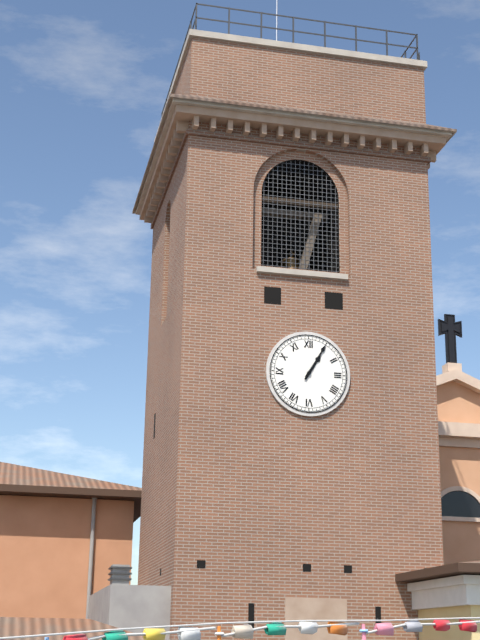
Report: {"hour": 1, "minute": 5}
